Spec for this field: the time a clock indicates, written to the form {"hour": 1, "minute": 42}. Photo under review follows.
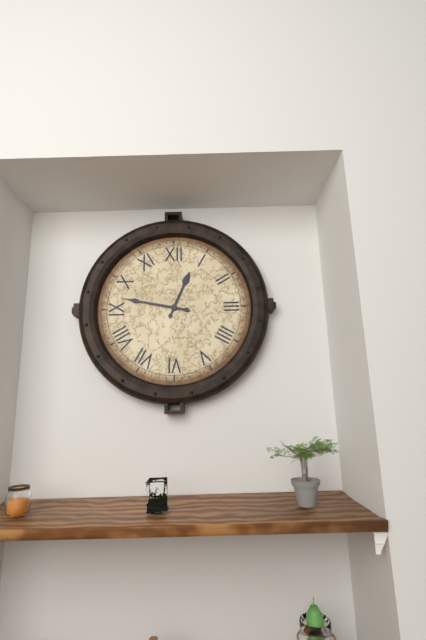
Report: {"hour": 12, "minute": 47}
